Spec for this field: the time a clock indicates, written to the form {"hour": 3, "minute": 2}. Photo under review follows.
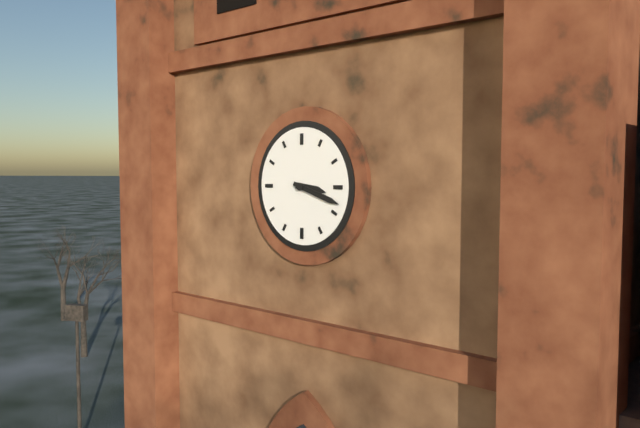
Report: {"hour": 3, "minute": 18}
